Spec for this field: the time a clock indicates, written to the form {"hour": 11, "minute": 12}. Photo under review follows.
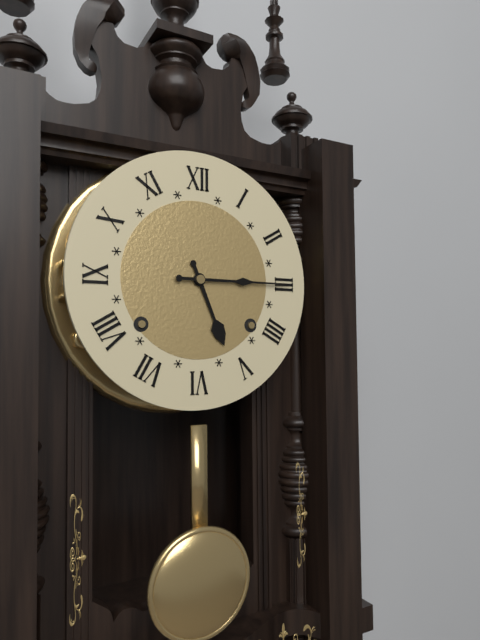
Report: {"hour": 5, "minute": 15}
